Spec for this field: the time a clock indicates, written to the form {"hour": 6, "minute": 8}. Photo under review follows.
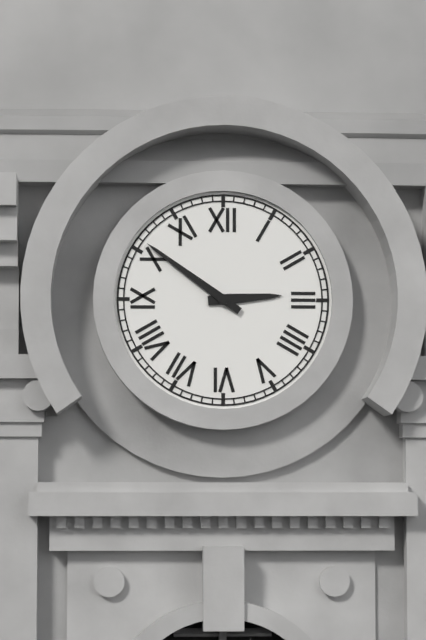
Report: {"hour": 2, "minute": 51}
